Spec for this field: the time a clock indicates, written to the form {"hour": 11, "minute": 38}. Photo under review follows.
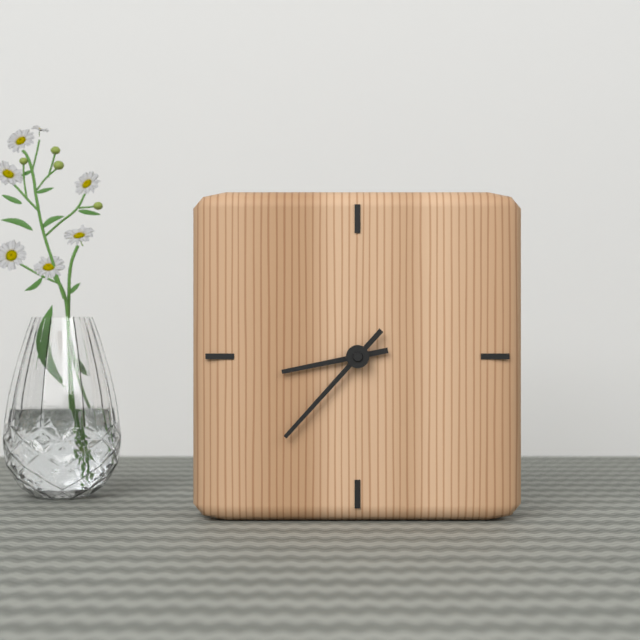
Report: {"hour": 8, "minute": 37}
